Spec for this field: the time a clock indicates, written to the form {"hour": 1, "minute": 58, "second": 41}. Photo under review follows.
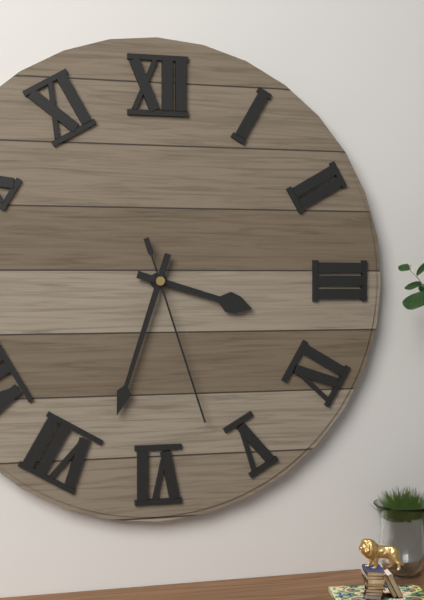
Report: {"hour": 3, "minute": 33, "second": 27}
